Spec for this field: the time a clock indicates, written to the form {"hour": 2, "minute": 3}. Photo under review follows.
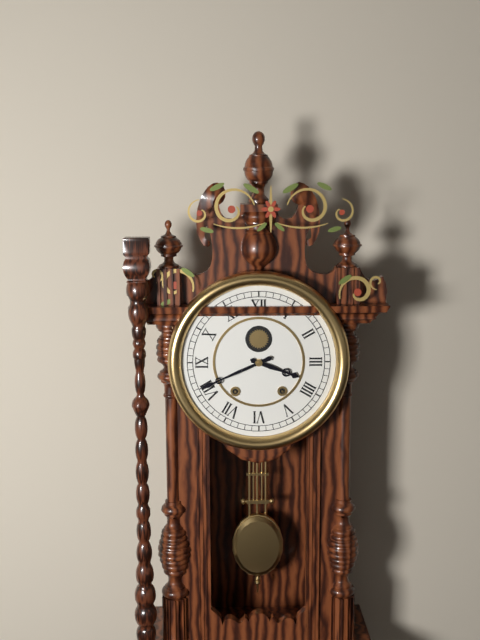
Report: {"hour": 3, "minute": 41}
